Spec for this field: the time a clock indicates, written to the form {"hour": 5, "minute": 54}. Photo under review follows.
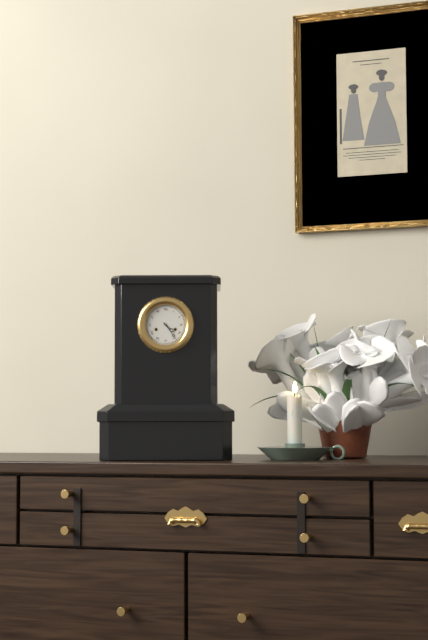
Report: {"hour": 4, "minute": 24}
